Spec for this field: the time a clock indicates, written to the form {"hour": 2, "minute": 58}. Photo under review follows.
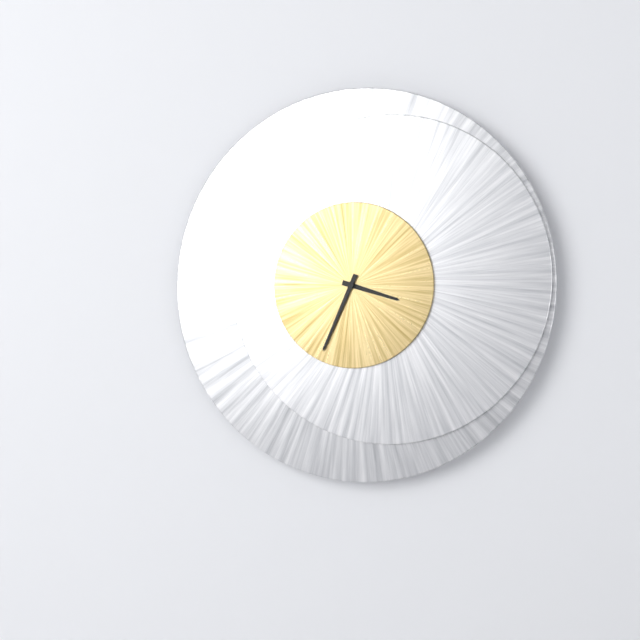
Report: {"hour": 3, "minute": 34}
